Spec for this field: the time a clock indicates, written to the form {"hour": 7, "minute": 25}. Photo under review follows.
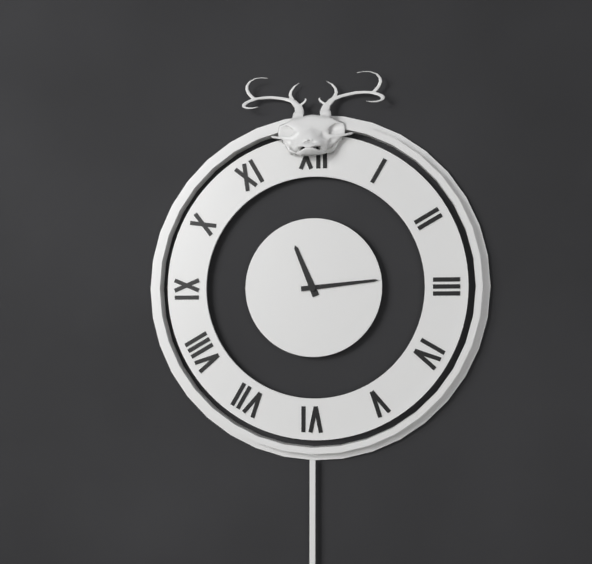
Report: {"hour": 11, "minute": 14}
